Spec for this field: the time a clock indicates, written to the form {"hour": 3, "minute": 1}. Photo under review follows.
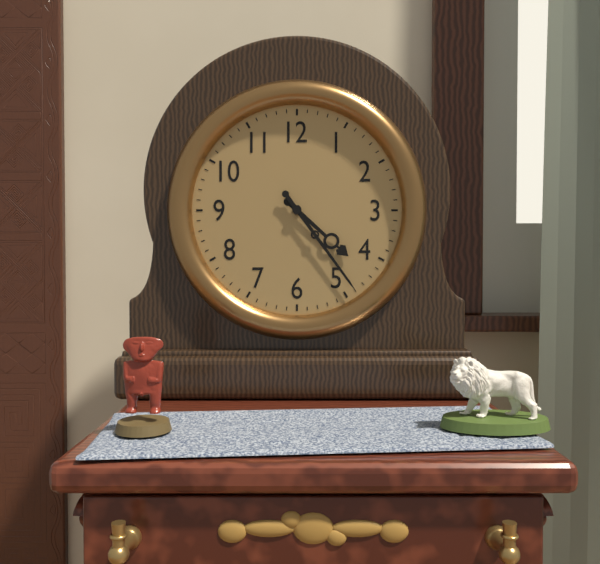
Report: {"hour": 4, "minute": 24}
